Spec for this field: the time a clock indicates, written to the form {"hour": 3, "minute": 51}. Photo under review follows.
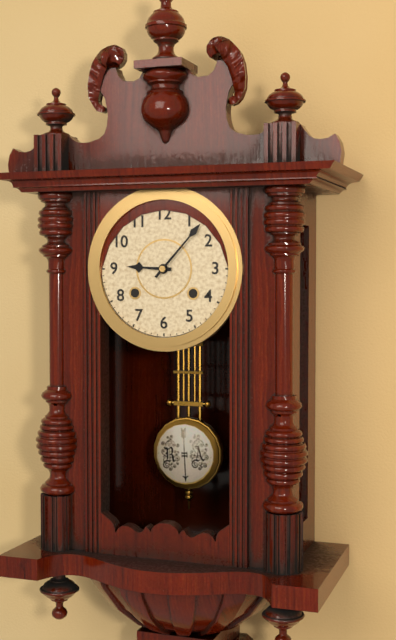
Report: {"hour": 9, "minute": 7}
